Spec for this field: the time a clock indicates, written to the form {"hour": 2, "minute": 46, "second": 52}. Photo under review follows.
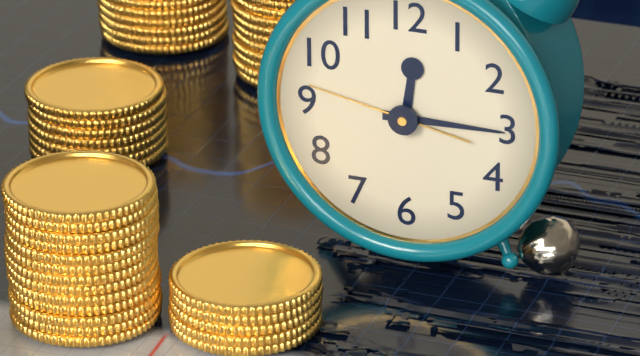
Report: {"hour": 12, "minute": 15, "second": 47}
